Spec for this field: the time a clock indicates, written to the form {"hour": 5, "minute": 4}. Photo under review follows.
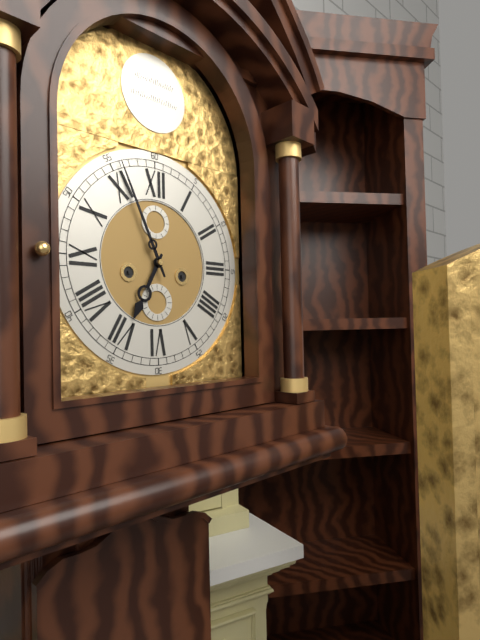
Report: {"hour": 6, "minute": 56}
